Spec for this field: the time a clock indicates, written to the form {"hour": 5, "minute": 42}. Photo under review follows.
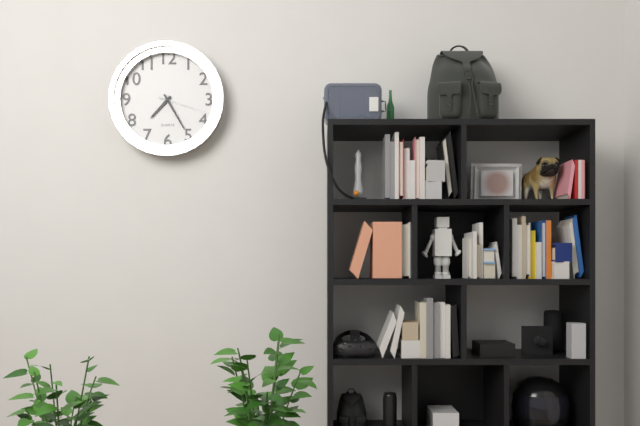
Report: {"hour": 7, "minute": 25}
